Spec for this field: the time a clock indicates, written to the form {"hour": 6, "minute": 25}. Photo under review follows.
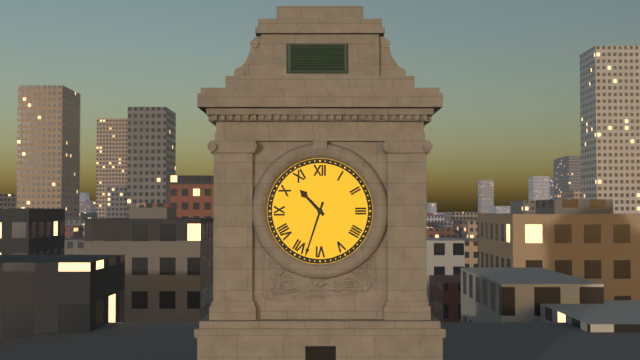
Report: {"hour": 10, "minute": 33}
